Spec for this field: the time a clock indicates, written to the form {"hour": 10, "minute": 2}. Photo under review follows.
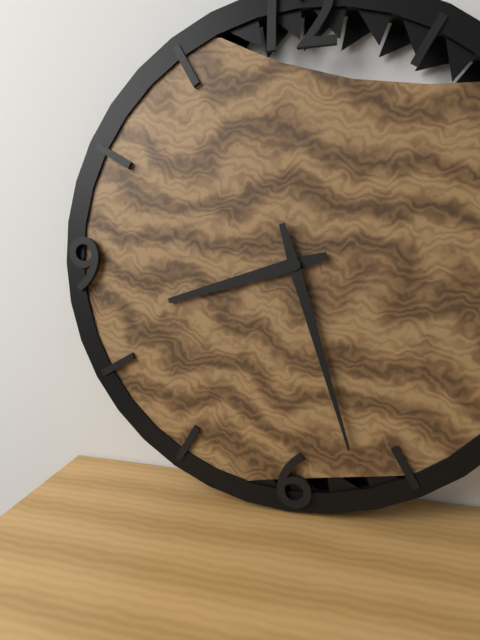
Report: {"hour": 8, "minute": 27}
